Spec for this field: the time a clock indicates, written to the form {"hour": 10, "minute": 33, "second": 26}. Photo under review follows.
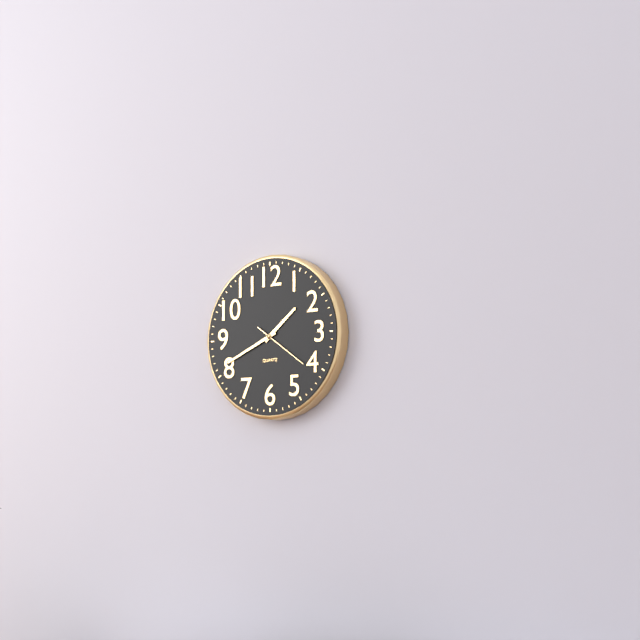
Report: {"hour": 1, "minute": 41, "second": 21}
